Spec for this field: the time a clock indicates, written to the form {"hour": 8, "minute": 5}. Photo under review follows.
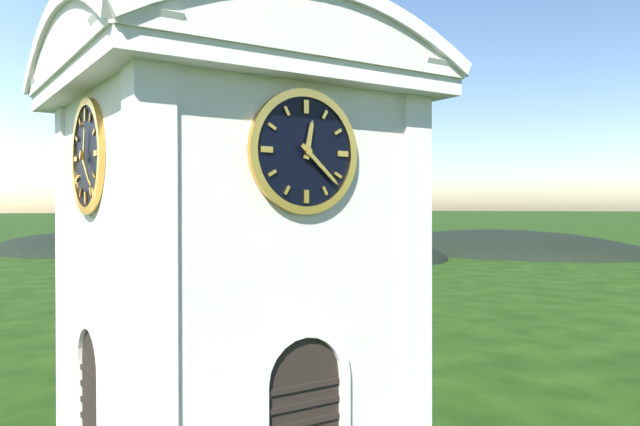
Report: {"hour": 12, "minute": 22}
